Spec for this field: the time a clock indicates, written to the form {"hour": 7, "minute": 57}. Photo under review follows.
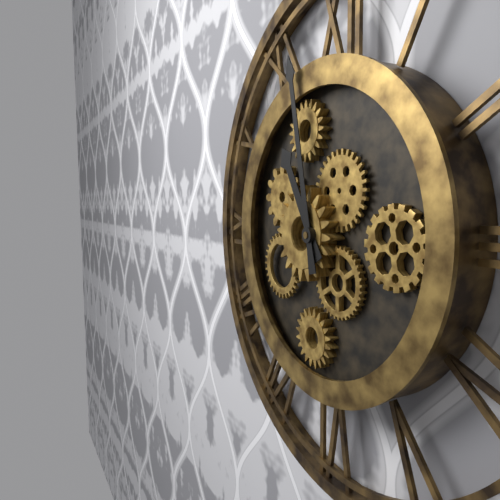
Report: {"hour": 10, "minute": 58}
